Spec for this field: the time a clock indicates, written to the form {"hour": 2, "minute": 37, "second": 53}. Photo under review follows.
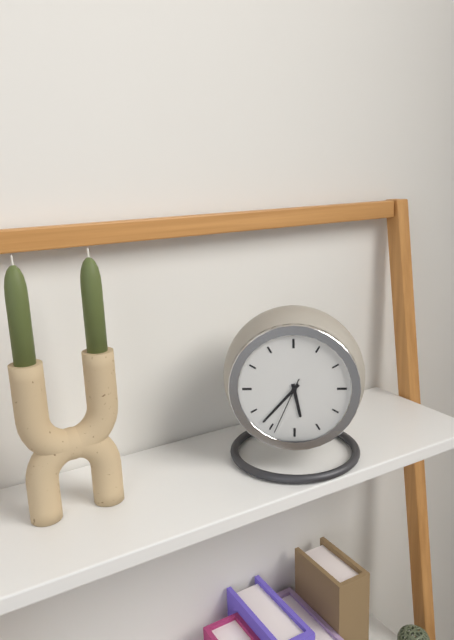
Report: {"hour": 5, "minute": 37, "second": 34}
